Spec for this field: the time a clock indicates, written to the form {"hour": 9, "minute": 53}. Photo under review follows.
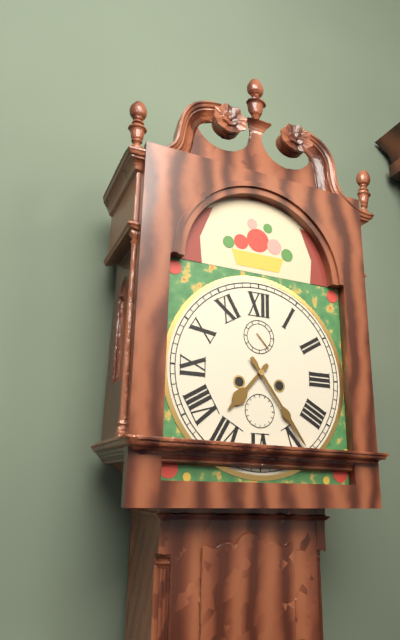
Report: {"hour": 7, "minute": 24}
